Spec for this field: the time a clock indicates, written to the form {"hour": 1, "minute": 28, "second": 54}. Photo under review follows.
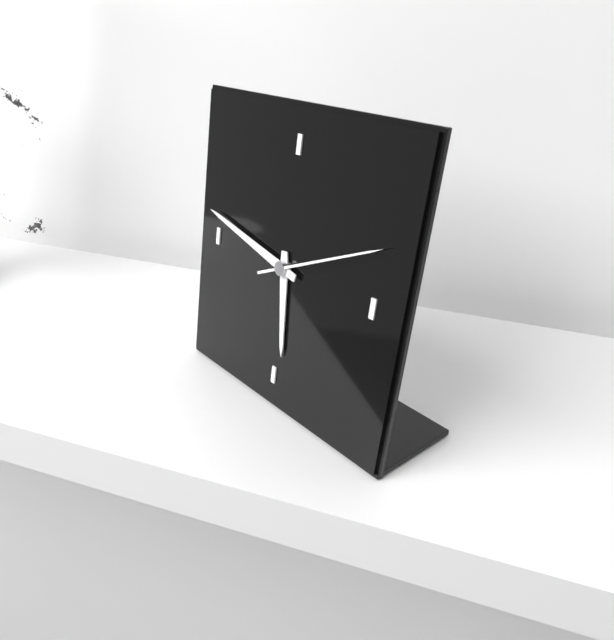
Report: {"hour": 5, "minute": 47, "second": 11}
